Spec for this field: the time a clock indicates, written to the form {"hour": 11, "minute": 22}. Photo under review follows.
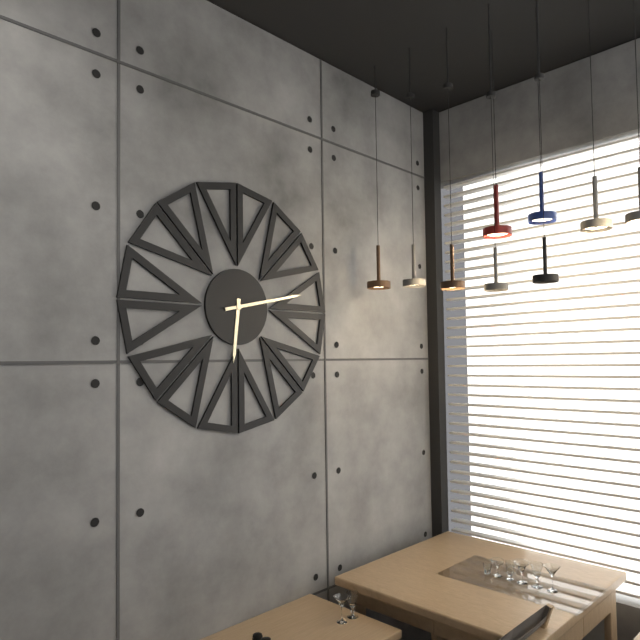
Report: {"hour": 6, "minute": 13}
